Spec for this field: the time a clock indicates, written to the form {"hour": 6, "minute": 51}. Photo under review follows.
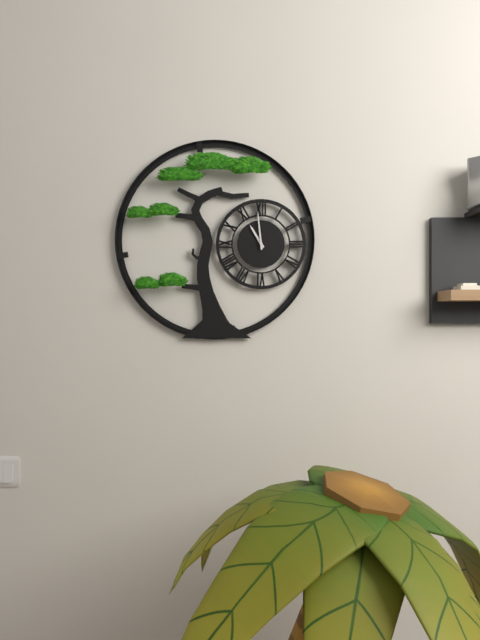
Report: {"hour": 10, "minute": 59}
